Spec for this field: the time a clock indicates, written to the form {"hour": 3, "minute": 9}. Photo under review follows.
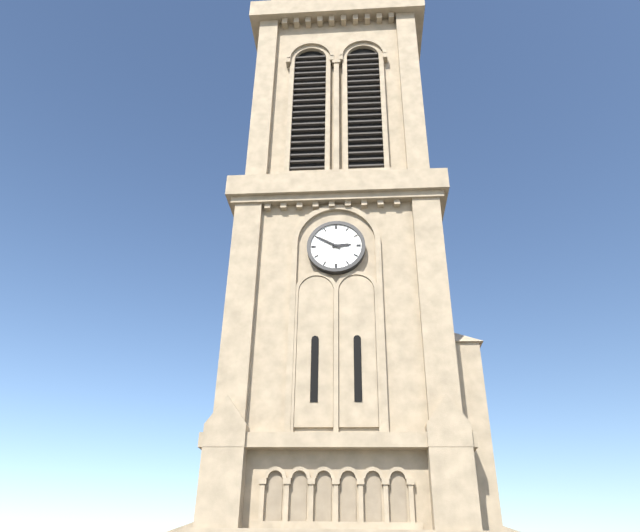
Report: {"hour": 2, "minute": 50}
